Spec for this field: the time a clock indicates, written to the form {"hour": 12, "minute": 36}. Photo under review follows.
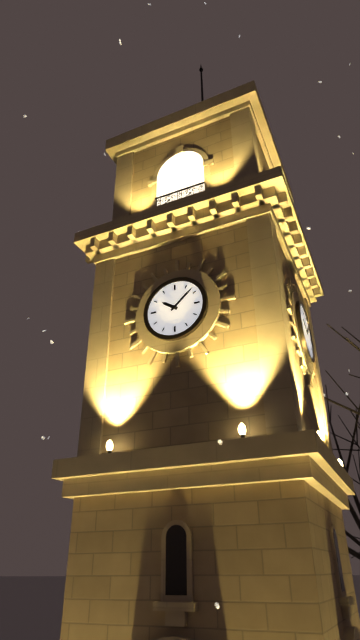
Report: {"hour": 10, "minute": 8}
